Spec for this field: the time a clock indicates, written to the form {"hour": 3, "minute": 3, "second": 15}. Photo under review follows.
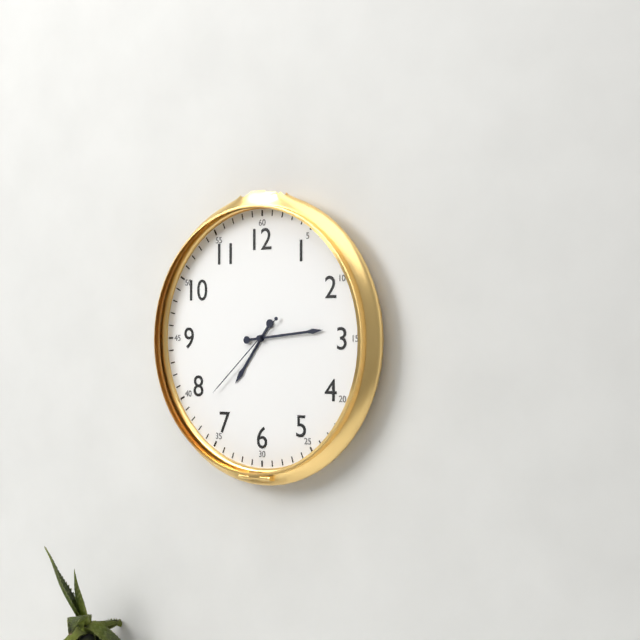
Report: {"hour": 7, "minute": 14, "second": 38}
